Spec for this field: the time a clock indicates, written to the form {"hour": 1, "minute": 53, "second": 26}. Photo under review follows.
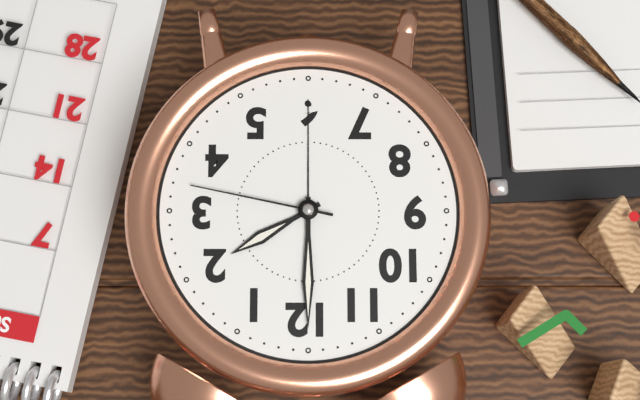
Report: {"hour": 2, "minute": 0, "second": 17}
